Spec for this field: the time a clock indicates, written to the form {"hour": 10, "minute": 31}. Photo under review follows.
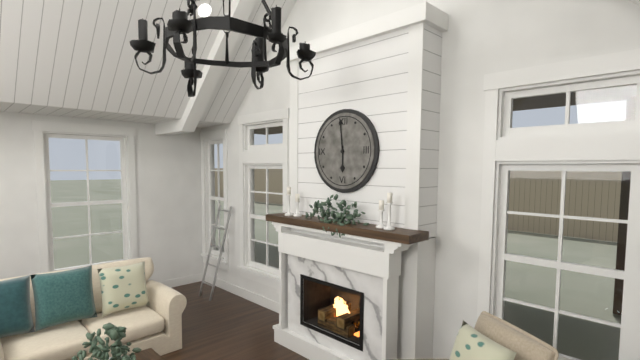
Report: {"hour": 5, "minute": 59}
